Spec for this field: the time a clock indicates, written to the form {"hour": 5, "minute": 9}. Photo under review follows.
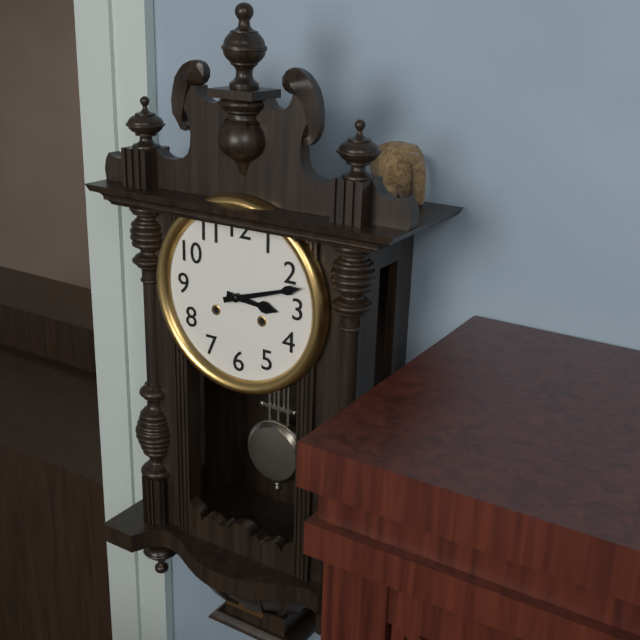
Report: {"hour": 3, "minute": 12}
